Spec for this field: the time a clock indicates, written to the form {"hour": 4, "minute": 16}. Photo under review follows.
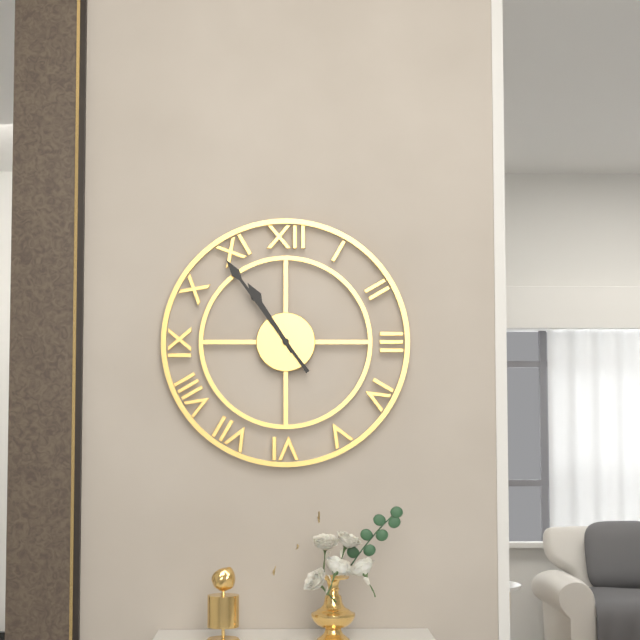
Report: {"hour": 10, "minute": 54}
